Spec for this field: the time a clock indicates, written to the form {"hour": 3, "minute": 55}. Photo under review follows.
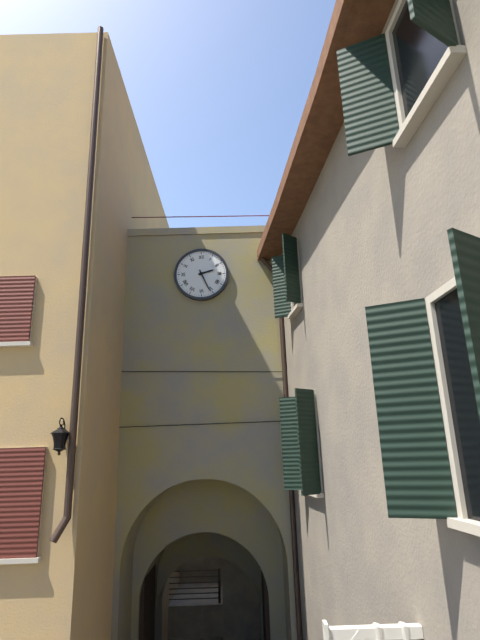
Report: {"hour": 2, "minute": 26}
